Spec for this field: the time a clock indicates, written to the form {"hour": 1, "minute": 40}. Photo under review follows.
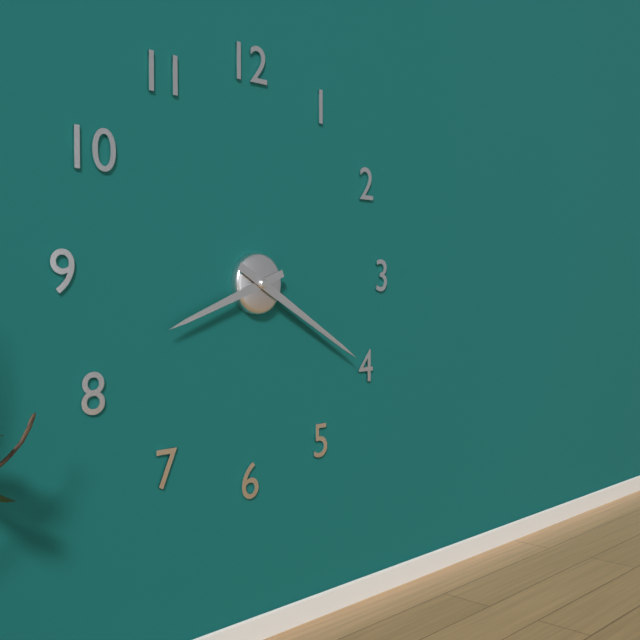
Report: {"hour": 8, "minute": 20}
